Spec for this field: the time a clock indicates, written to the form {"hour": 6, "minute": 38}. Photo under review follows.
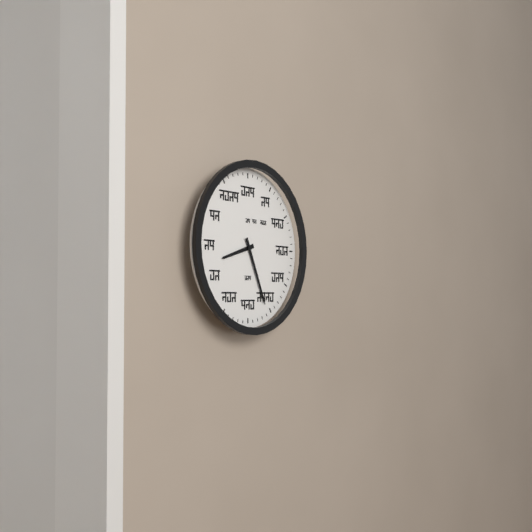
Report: {"hour": 8, "minute": 26}
